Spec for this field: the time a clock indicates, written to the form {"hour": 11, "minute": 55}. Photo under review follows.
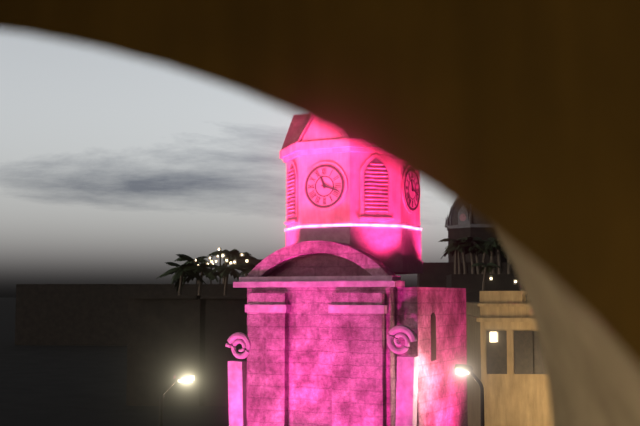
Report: {"hour": 11, "minute": 18}
